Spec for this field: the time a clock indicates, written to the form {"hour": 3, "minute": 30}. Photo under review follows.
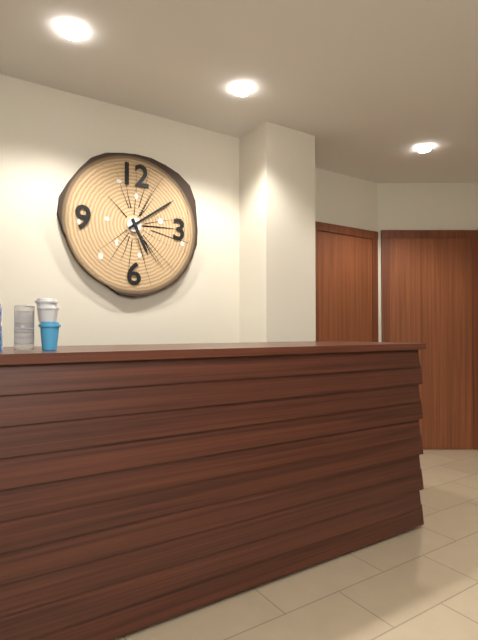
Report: {"hour": 5, "minute": 9}
